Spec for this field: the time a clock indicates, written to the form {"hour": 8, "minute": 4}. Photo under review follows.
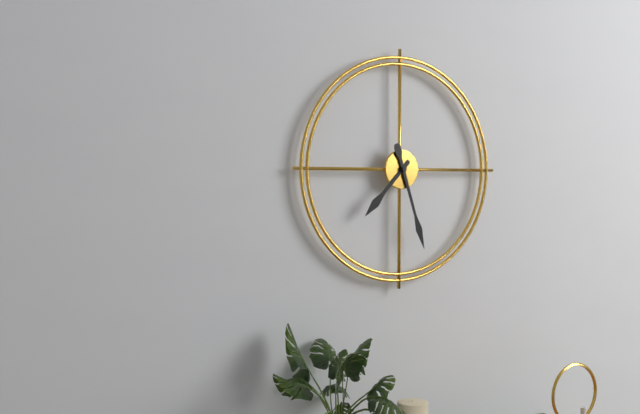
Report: {"hour": 7, "minute": 27}
